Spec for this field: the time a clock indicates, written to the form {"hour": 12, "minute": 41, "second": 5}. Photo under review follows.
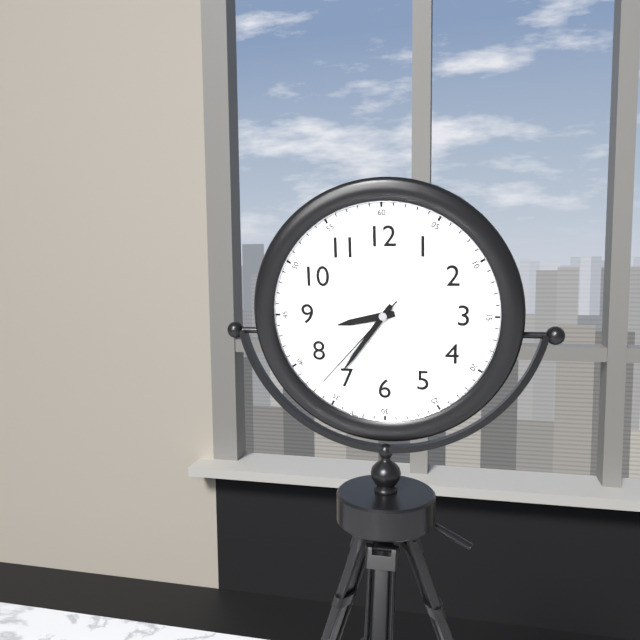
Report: {"hour": 8, "minute": 36, "second": 37}
